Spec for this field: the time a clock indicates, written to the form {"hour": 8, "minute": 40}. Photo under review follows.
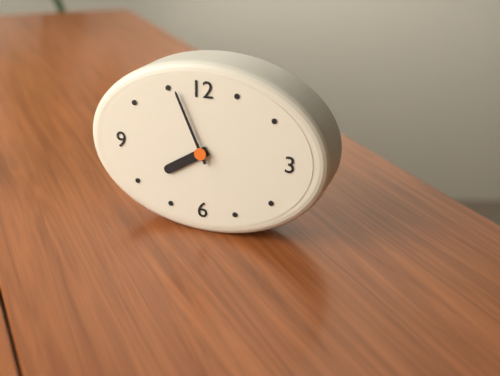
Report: {"hour": 7, "minute": 56}
